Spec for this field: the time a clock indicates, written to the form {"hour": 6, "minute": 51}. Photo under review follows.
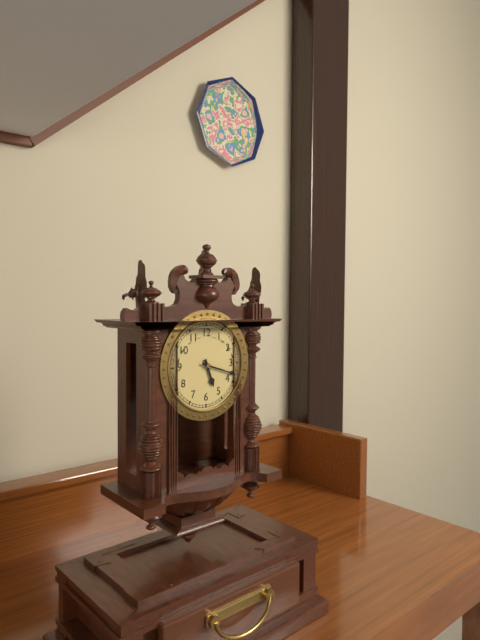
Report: {"hour": 5, "minute": 18}
